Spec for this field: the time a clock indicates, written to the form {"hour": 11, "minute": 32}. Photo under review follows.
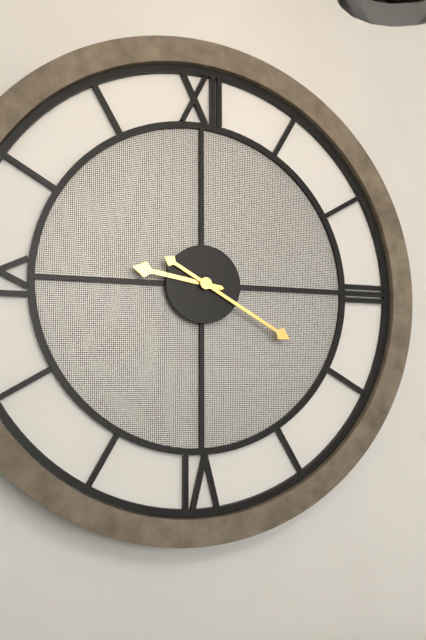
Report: {"hour": 9, "minute": 20}
